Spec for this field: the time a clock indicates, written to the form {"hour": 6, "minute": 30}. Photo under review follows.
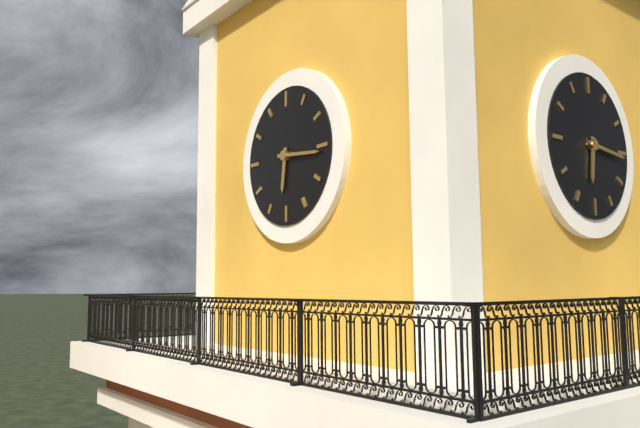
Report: {"hour": 6, "minute": 16}
